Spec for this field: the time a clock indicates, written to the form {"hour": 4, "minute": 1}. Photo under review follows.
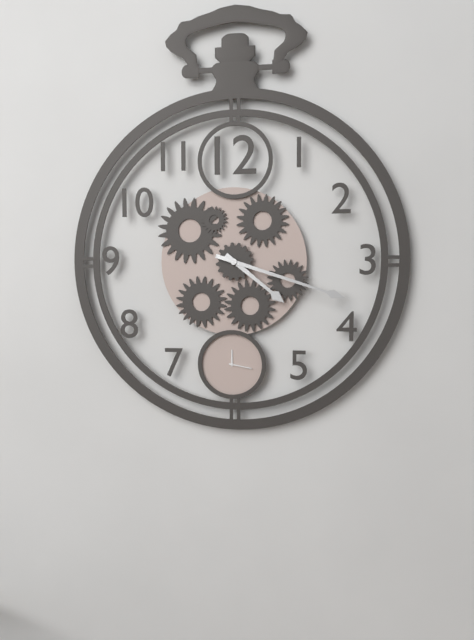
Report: {"hour": 4, "minute": 18}
